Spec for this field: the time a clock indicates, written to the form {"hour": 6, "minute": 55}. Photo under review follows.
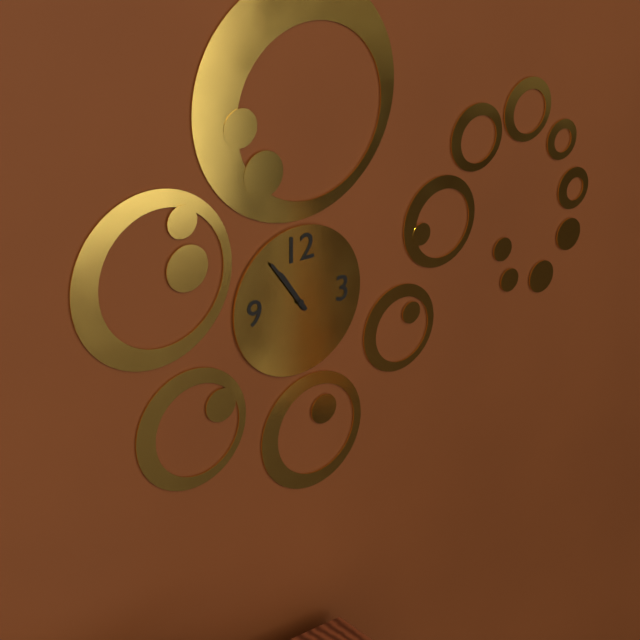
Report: {"hour": 10, "minute": 54}
